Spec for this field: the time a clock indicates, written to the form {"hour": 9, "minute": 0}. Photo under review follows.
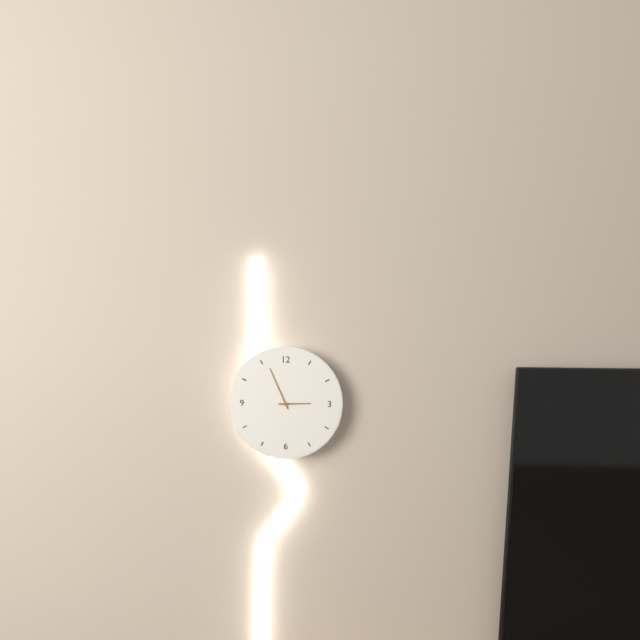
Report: {"hour": 2, "minute": 56}
